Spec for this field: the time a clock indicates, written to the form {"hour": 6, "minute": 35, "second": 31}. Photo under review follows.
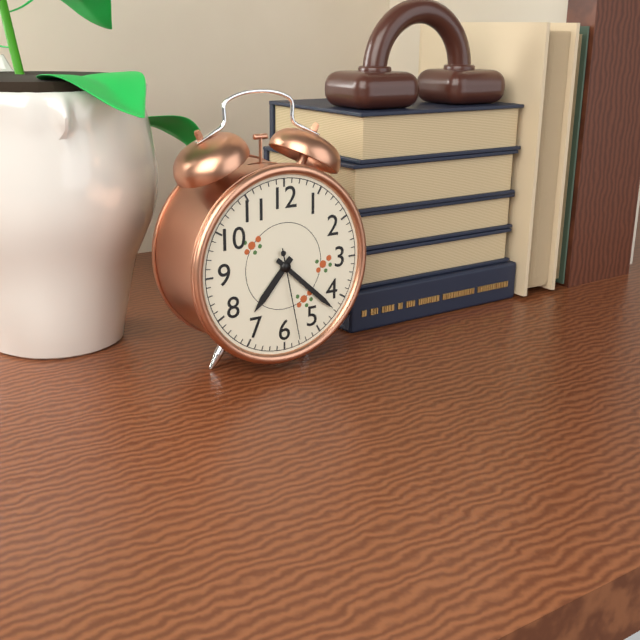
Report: {"hour": 7, "minute": 22, "second": 28}
